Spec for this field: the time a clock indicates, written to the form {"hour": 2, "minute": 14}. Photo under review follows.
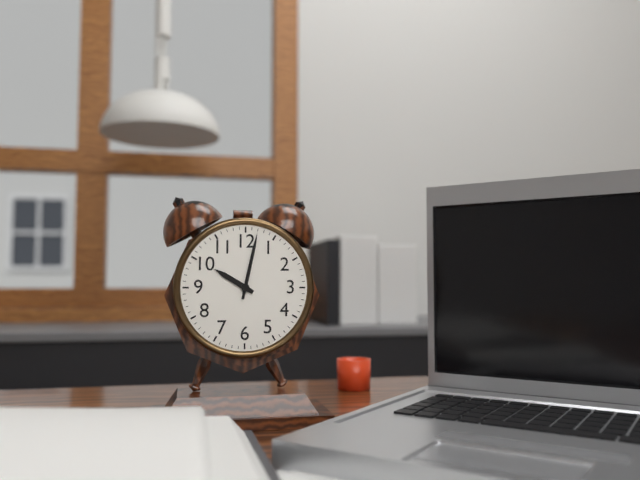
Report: {"hour": 10, "minute": 2}
